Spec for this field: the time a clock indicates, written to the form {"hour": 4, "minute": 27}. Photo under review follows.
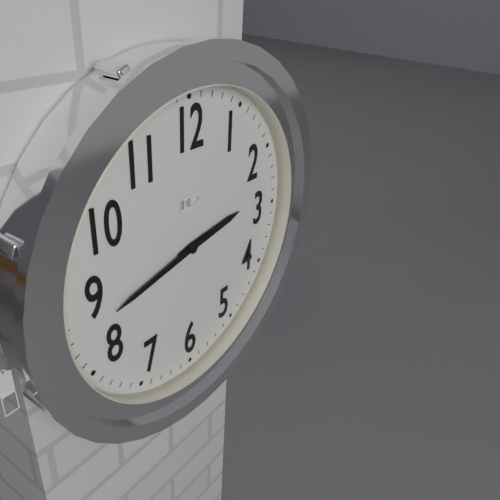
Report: {"hour": 2, "minute": 43}
